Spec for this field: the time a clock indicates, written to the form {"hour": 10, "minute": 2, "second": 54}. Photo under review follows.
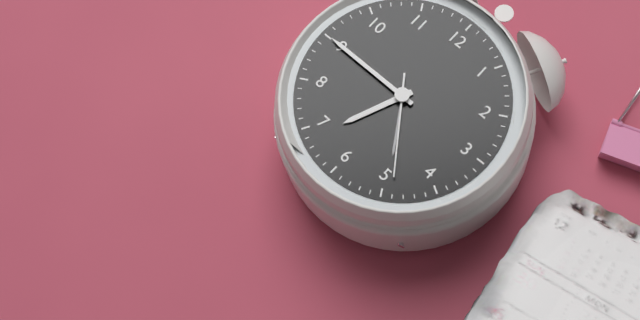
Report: {"hour": 6, "minute": 45, "second": 24}
